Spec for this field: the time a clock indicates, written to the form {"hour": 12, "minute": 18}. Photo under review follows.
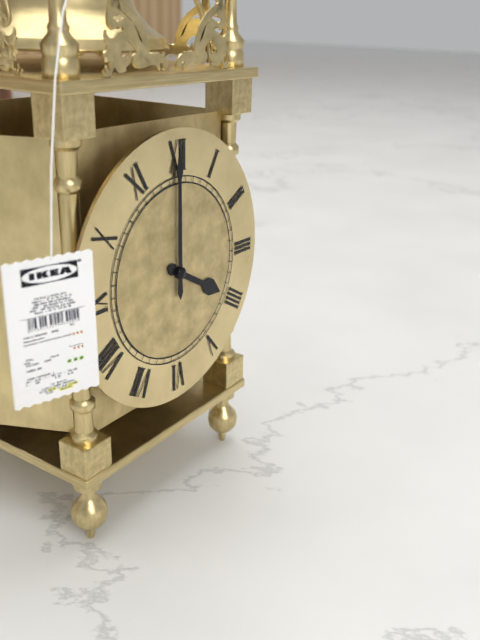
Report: {"hour": 4, "minute": 0}
